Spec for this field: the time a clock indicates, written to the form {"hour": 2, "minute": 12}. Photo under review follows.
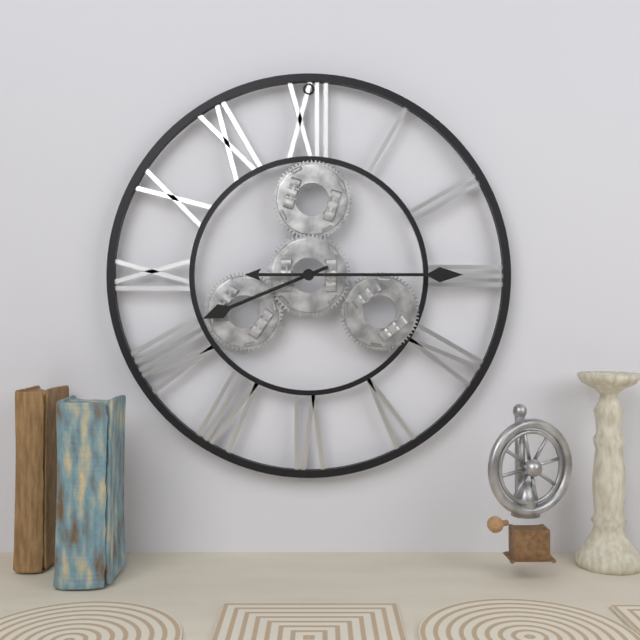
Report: {"hour": 8, "minute": 15}
